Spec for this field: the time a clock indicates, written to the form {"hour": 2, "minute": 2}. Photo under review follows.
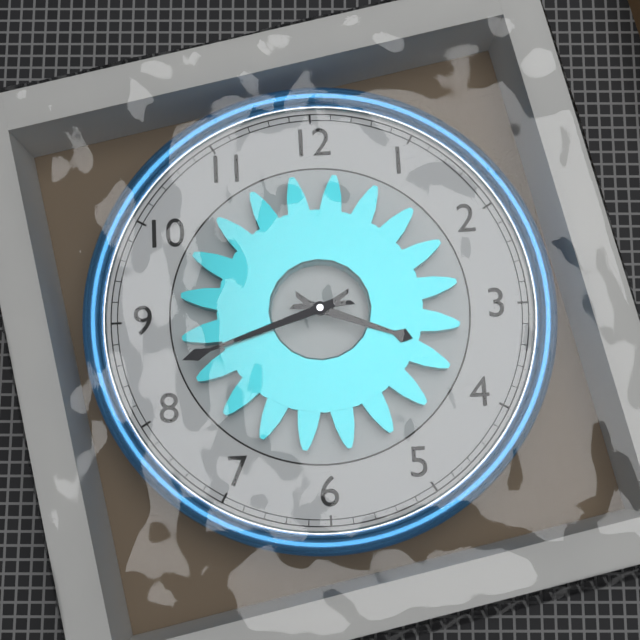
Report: {"hour": 3, "minute": 42}
